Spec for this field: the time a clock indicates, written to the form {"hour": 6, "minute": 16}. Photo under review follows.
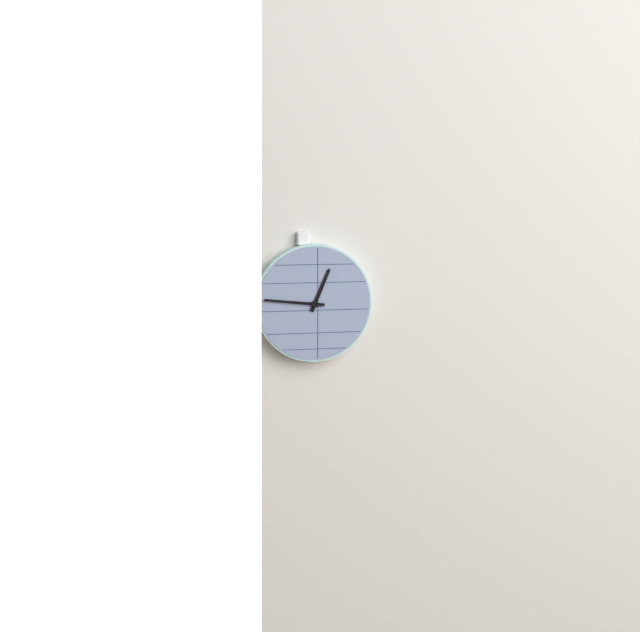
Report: {"hour": 12, "minute": 46}
